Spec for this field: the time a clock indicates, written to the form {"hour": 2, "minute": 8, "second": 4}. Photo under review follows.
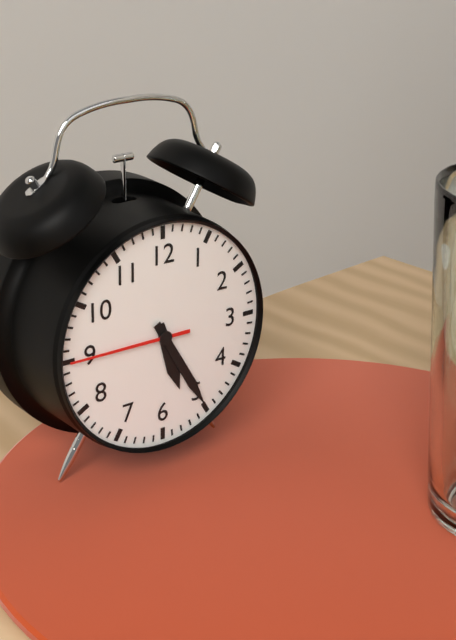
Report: {"hour": 5, "minute": 25, "second": 45}
